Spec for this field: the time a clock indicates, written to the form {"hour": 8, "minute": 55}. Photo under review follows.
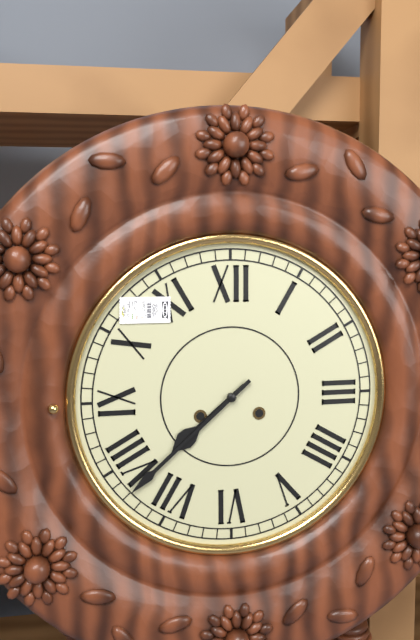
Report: {"hour": 7, "minute": 38}
